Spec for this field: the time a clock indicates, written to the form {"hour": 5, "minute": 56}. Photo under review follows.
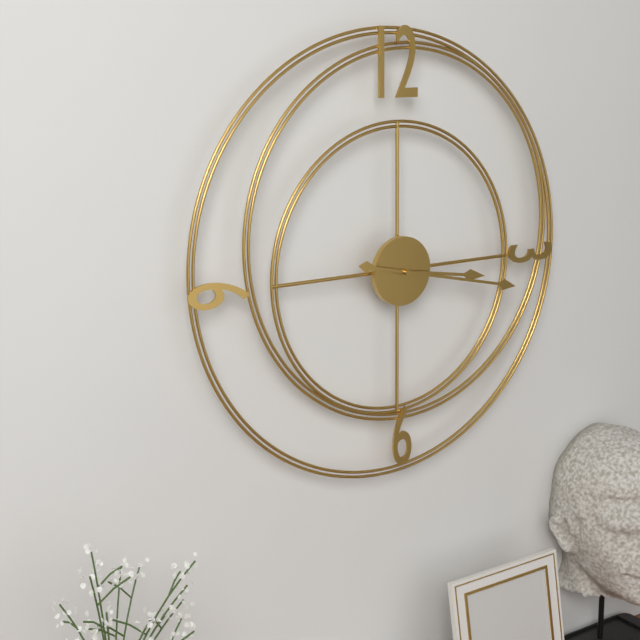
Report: {"hour": 3, "minute": 17}
